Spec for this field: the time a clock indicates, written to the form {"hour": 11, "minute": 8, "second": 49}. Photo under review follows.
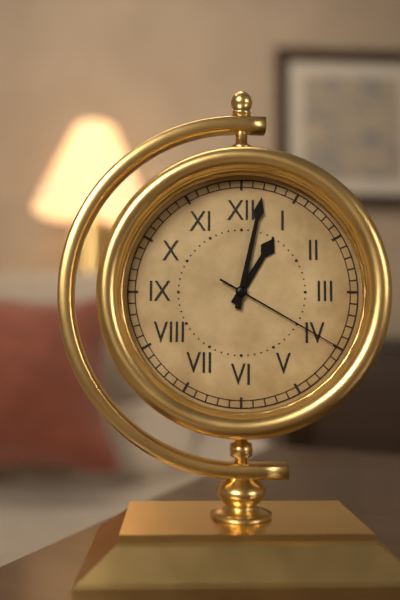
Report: {"hour": 1, "minute": 2, "second": 20}
